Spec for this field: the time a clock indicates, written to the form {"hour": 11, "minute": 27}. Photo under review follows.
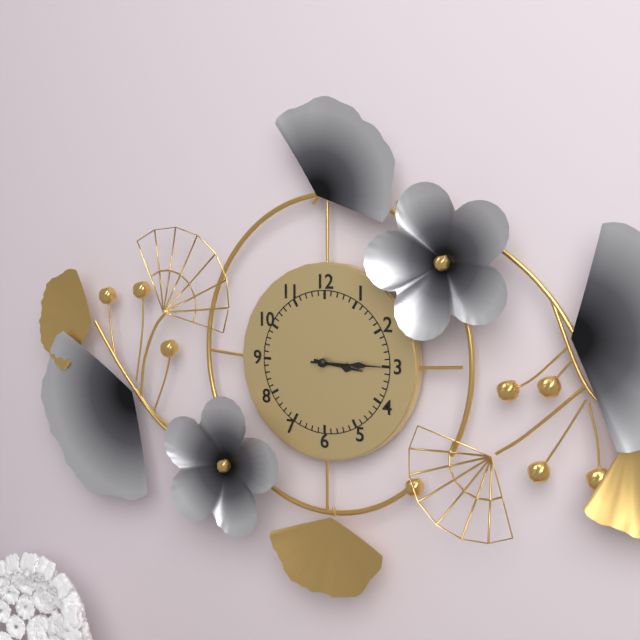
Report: {"hour": 3, "minute": 15}
